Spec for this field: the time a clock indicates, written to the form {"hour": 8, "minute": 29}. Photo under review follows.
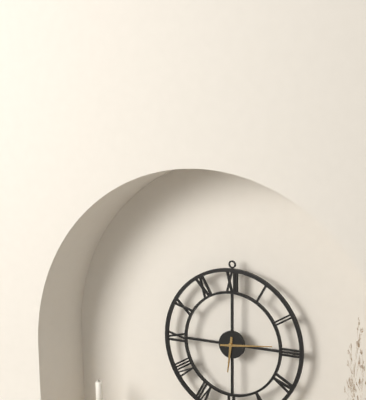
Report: {"hour": 6, "minute": 14}
